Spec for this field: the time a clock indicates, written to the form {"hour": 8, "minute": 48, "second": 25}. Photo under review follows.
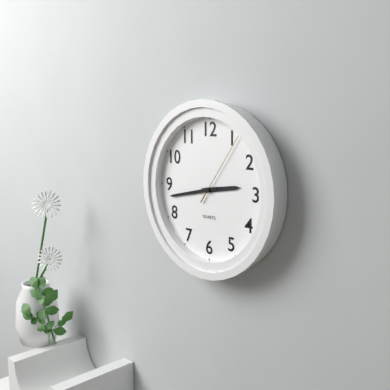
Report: {"hour": 2, "minute": 43, "second": 6}
